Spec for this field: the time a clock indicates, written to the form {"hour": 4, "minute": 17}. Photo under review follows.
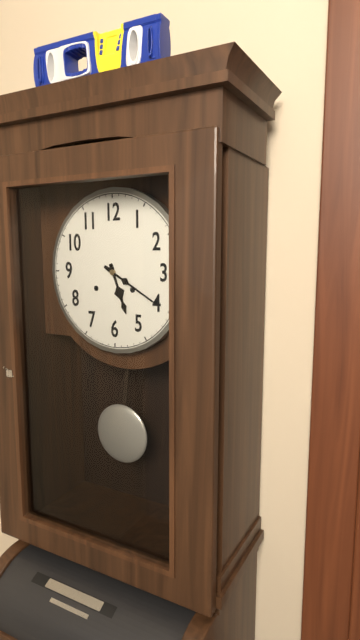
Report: {"hour": 5, "minute": 20}
